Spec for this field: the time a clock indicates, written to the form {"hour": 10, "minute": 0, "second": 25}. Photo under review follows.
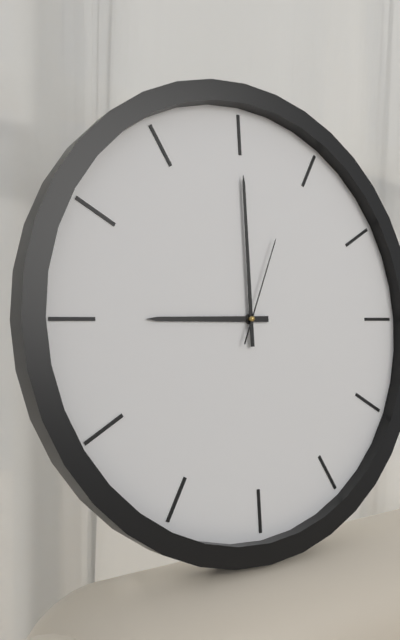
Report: {"hour": 9, "minute": 0, "second": 4}
